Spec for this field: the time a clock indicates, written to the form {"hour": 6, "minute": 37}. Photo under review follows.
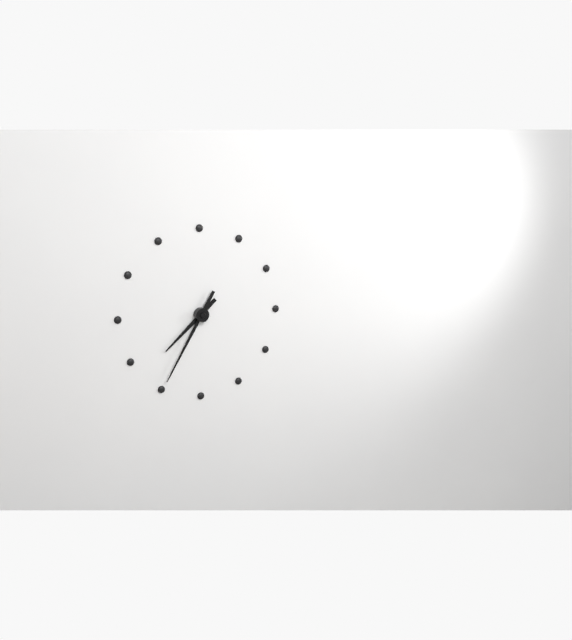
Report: {"hour": 7, "minute": 35}
